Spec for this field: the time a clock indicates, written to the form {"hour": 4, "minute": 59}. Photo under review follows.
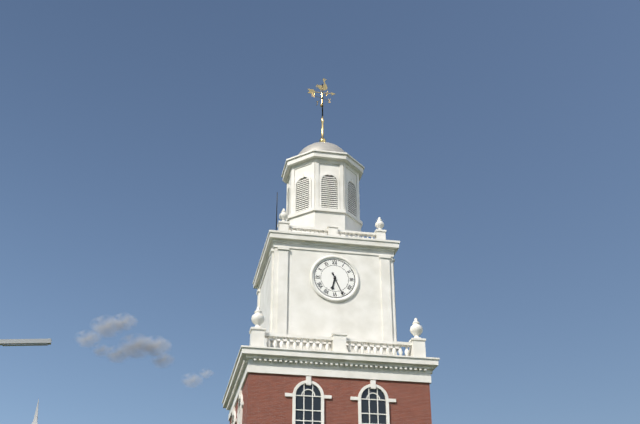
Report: {"hour": 6, "minute": 26}
